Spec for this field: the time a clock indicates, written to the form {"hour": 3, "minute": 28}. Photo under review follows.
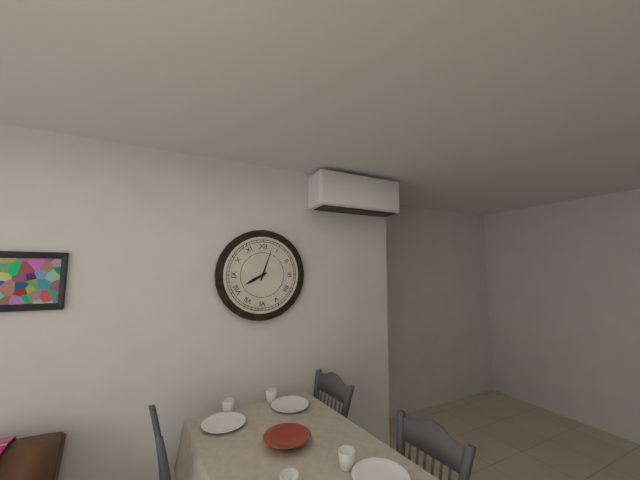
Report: {"hour": 8, "minute": 3}
